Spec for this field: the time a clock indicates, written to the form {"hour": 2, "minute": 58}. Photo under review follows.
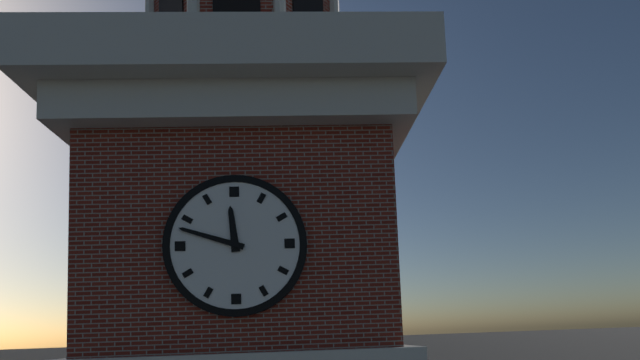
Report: {"hour": 11, "minute": 48}
